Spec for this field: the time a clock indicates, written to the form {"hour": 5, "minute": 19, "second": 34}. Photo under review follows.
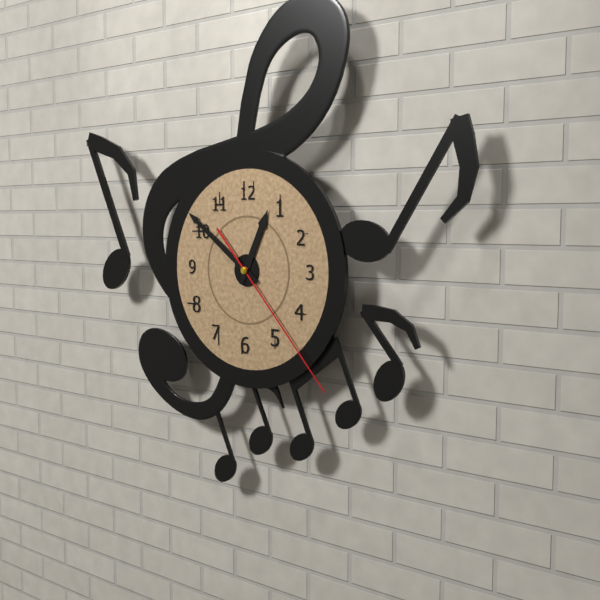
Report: {"hour": 12, "minute": 51, "second": 23}
